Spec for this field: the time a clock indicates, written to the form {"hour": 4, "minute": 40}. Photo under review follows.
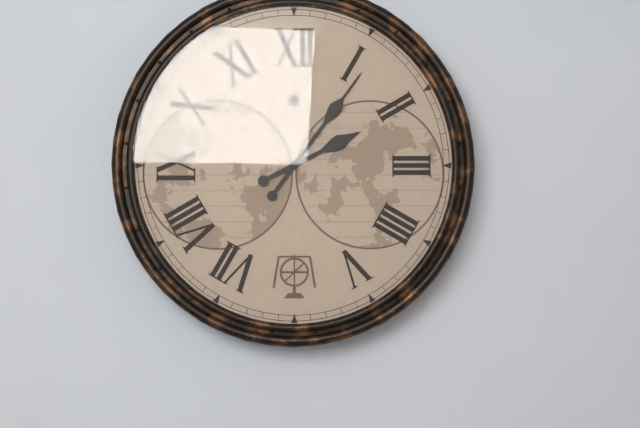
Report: {"hour": 2, "minute": 6}
